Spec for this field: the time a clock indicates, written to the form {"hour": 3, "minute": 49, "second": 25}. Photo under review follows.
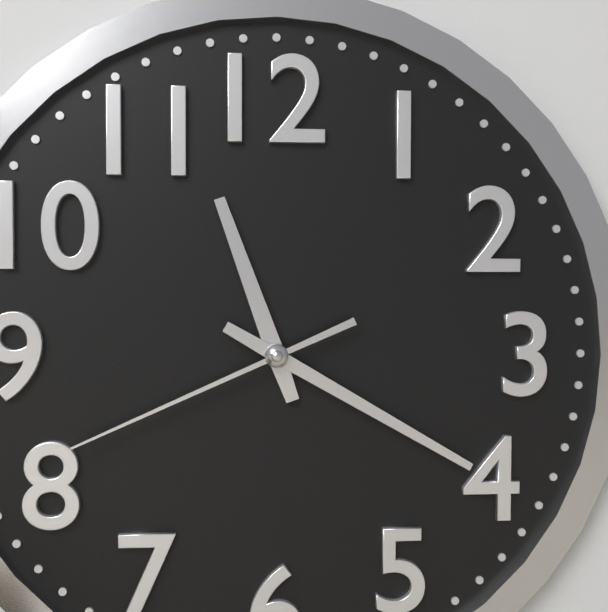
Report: {"hour": 11, "minute": 20, "second": 41}
